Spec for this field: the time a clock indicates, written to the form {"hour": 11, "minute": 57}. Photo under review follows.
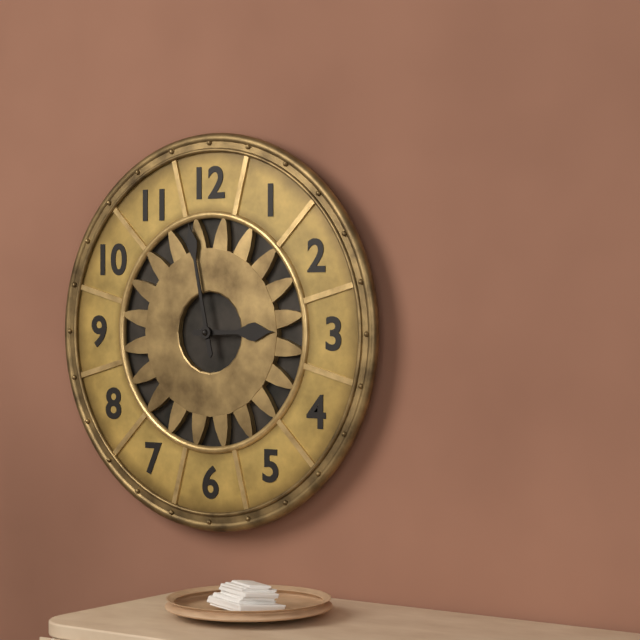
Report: {"hour": 2, "minute": 58}
